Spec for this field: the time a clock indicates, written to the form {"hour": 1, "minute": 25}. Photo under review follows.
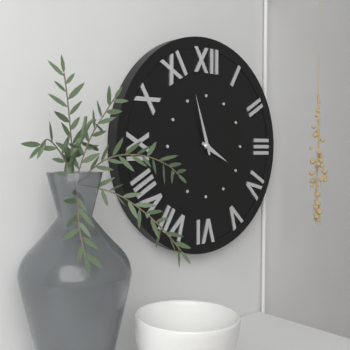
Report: {"hour": 3, "minute": 57}
